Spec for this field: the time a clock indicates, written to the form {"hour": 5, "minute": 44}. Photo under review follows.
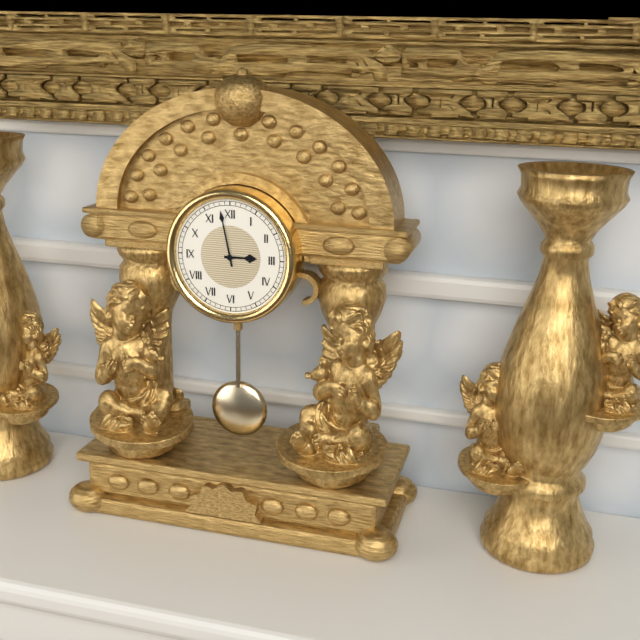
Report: {"hour": 2, "minute": 58}
